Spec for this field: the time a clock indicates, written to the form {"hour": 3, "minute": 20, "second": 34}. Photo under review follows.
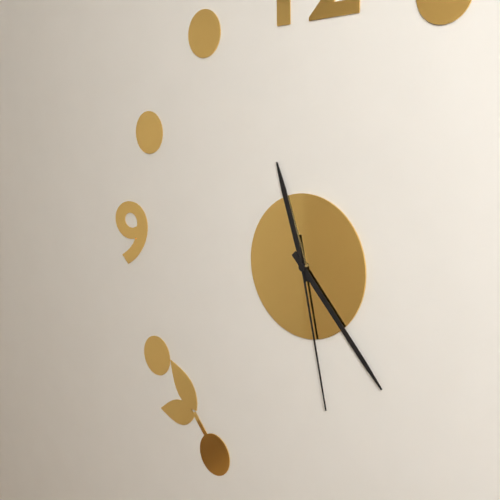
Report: {"hour": 11, "minute": 23, "second": 28}
